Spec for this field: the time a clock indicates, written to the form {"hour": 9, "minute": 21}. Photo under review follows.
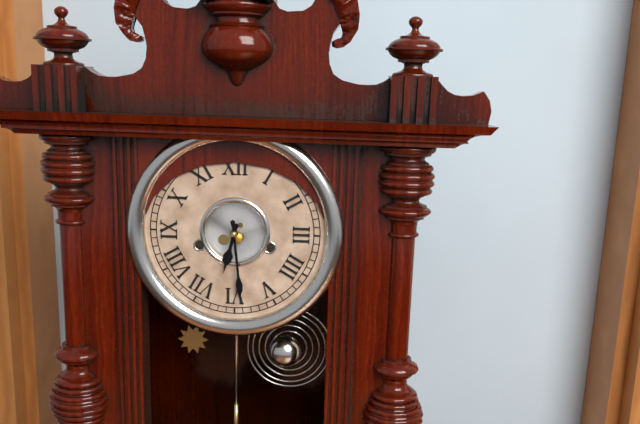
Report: {"hour": 6, "minute": 29}
